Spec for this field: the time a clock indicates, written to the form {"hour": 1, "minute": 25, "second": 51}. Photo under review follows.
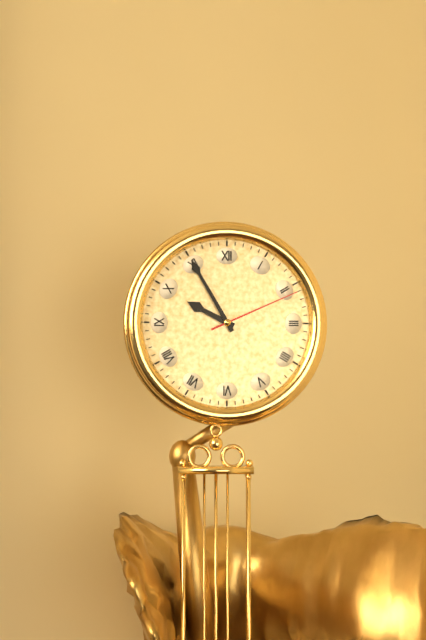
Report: {"hour": 9, "minute": 55, "second": 11}
